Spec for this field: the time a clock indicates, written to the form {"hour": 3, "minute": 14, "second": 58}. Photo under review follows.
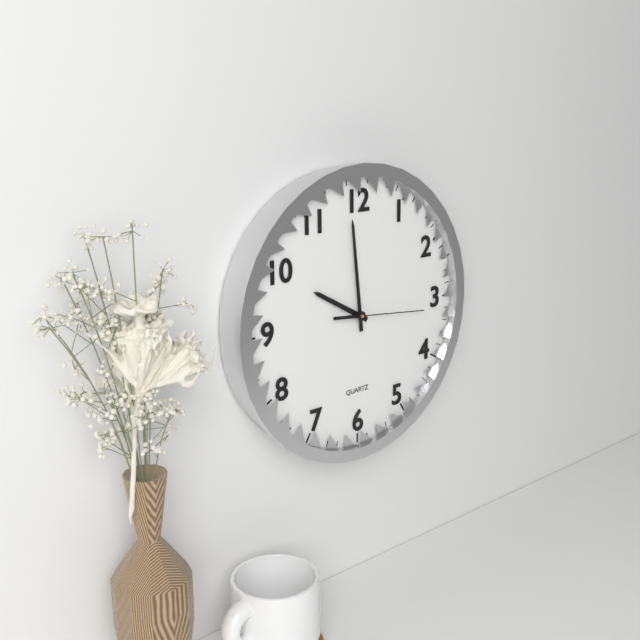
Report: {"hour": 9, "minute": 59, "second": 16}
